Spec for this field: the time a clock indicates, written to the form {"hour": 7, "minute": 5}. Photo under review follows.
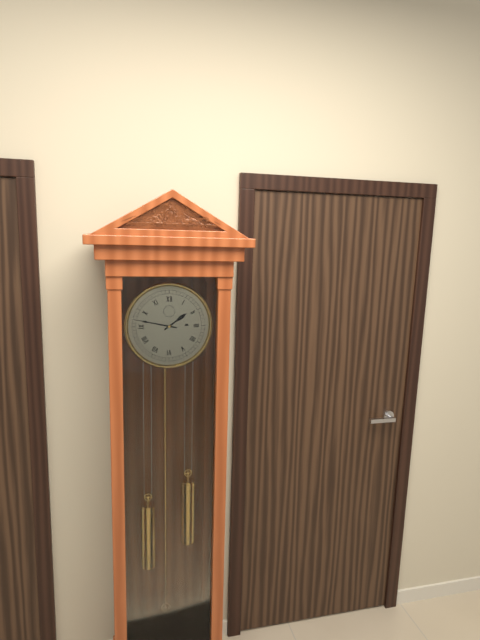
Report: {"hour": 1, "minute": 47}
